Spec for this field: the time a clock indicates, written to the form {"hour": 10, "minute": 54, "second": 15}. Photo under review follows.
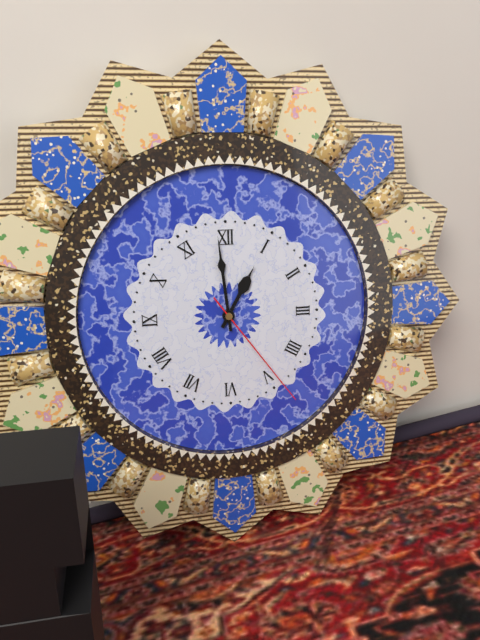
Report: {"hour": 12, "minute": 59, "second": 24}
